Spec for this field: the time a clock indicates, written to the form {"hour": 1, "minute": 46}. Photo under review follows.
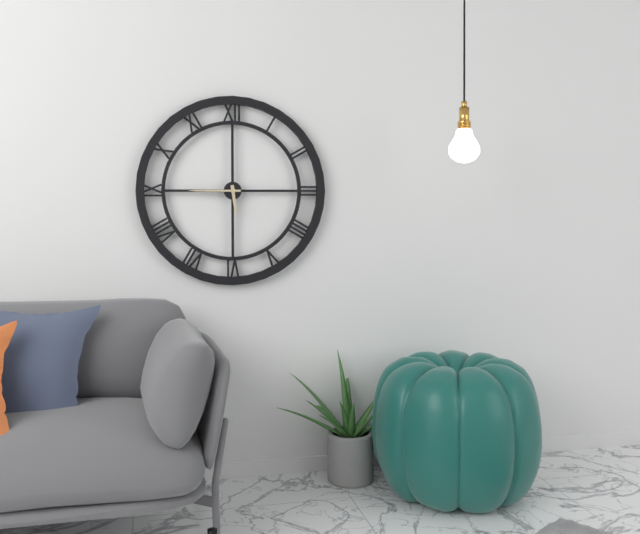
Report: {"hour": 5, "minute": 45}
